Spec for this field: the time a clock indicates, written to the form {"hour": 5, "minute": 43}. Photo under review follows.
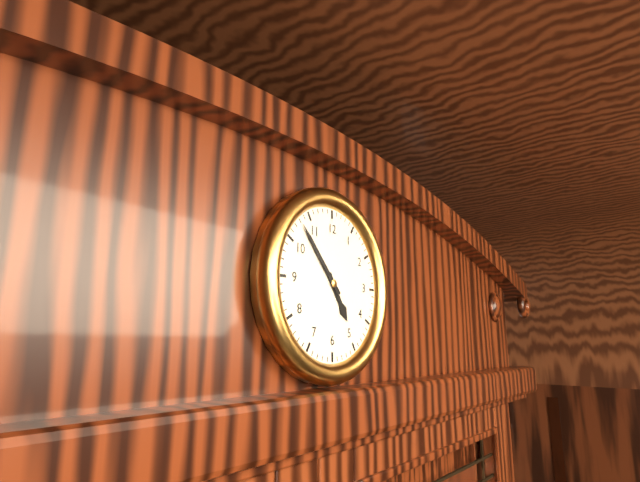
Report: {"hour": 4, "minute": 53}
